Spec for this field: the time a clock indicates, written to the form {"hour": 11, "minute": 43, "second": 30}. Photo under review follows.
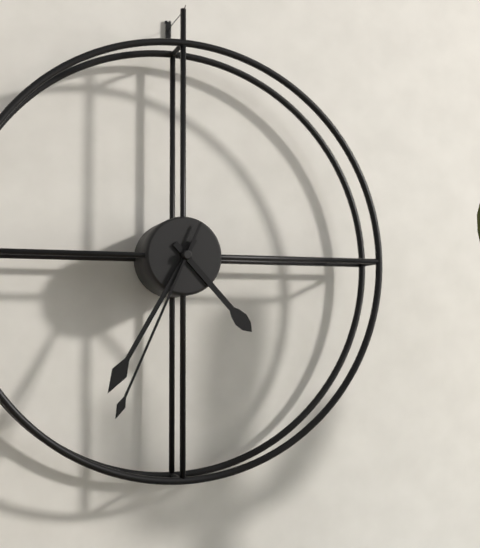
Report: {"hour": 4, "minute": 35, "second": 34}
